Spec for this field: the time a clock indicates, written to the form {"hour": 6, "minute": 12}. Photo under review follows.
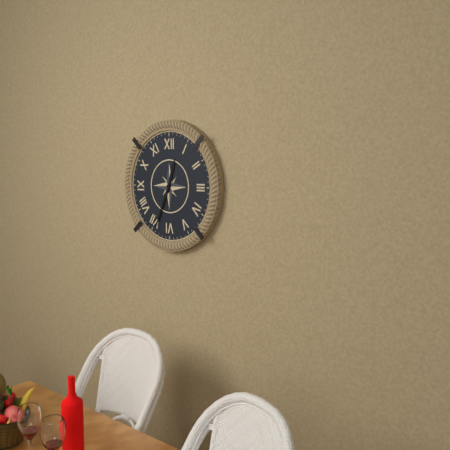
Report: {"hour": 12, "minute": 34}
